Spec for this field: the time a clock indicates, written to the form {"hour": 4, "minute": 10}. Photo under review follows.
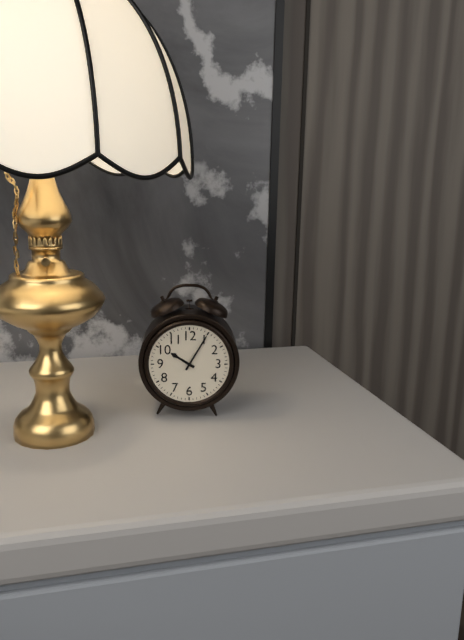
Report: {"hour": 10, "minute": 5}
